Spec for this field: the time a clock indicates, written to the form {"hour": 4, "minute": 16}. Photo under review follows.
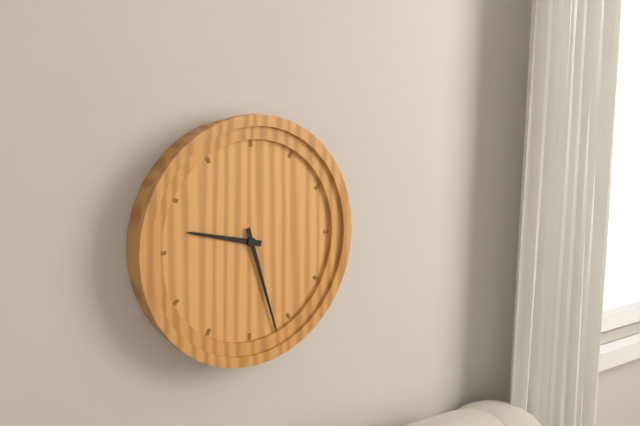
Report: {"hour": 9, "minute": 27}
